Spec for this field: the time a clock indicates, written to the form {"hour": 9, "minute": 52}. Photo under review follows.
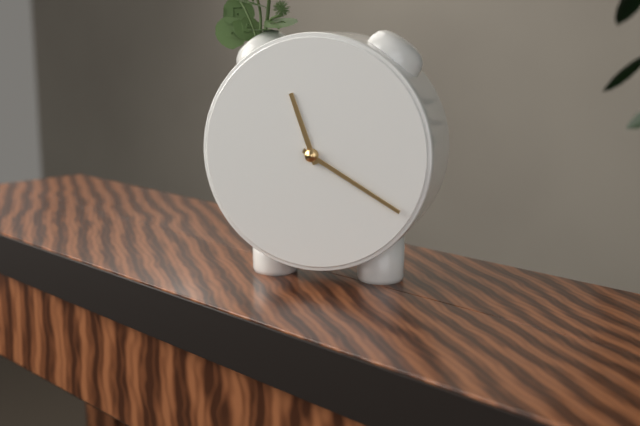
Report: {"hour": 11, "minute": 20}
